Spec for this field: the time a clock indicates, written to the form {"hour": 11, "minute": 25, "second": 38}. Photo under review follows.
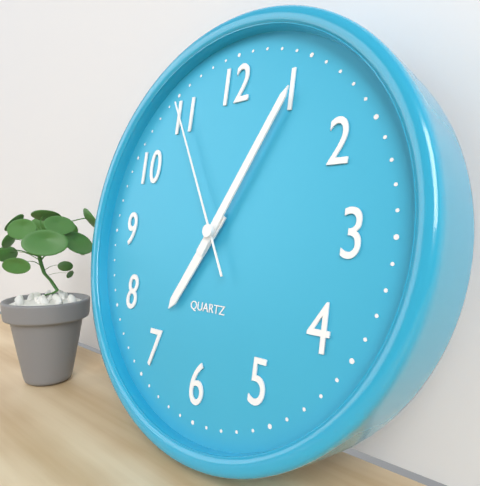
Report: {"hour": 7, "minute": 5, "second": 55}
